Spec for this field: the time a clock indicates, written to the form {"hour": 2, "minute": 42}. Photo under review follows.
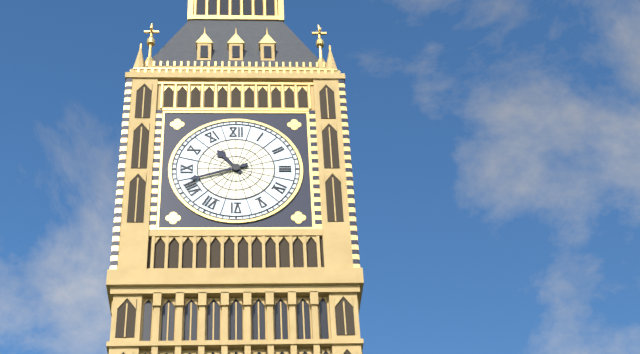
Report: {"hour": 10, "minute": 42}
